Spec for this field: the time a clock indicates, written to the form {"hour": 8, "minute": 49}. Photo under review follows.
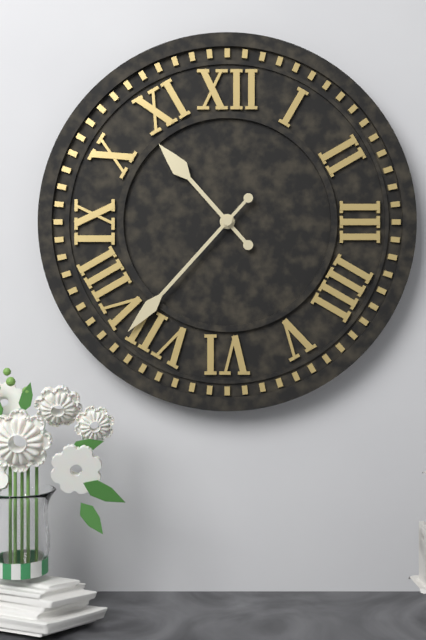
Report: {"hour": 10, "minute": 37}
